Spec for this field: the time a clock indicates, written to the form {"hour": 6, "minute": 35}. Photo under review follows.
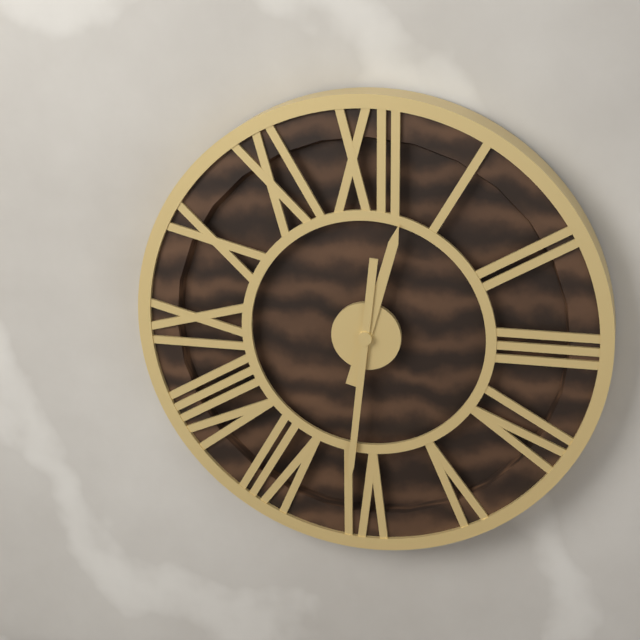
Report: {"hour": 12, "minute": 31}
